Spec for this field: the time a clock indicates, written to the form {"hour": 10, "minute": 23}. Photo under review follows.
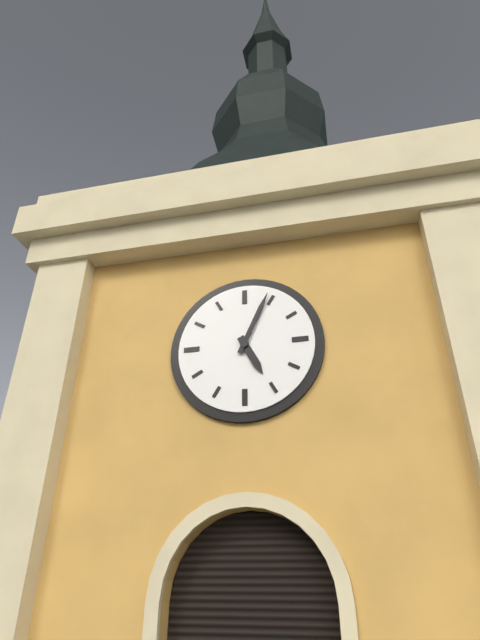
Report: {"hour": 5, "minute": 4}
